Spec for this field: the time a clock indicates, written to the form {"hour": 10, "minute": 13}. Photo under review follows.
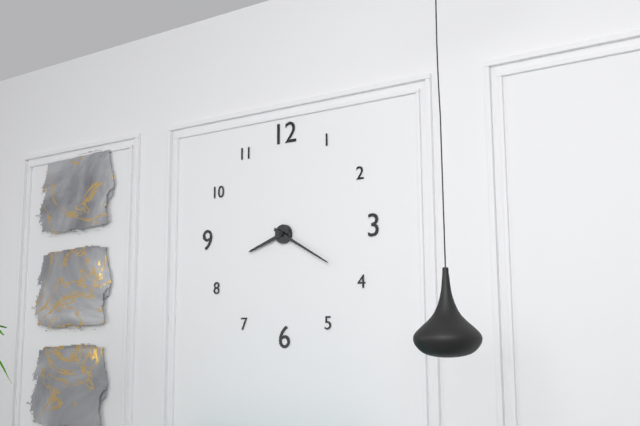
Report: {"hour": 8, "minute": 20}
